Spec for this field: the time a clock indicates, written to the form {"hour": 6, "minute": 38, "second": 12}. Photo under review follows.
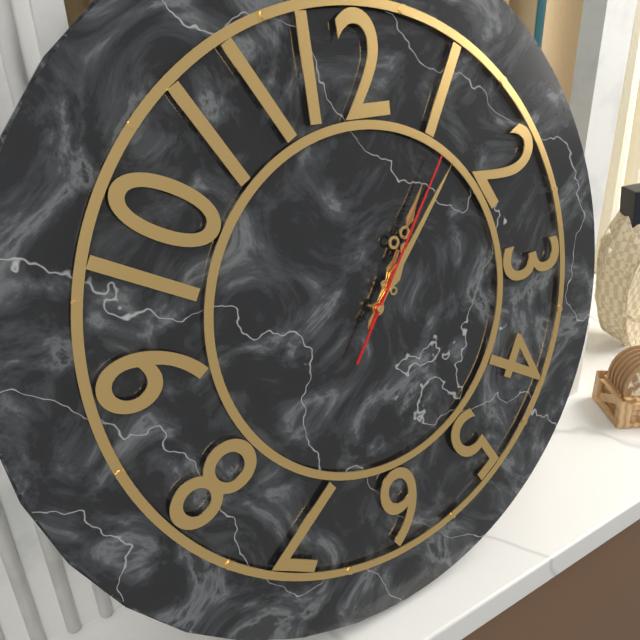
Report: {"hour": 1, "minute": 7, "second": 6}
